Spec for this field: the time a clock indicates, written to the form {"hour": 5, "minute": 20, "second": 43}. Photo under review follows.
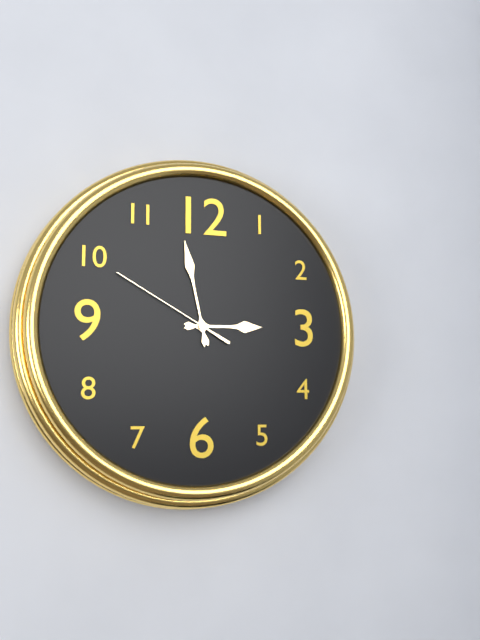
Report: {"hour": 2, "minute": 58, "second": 50}
